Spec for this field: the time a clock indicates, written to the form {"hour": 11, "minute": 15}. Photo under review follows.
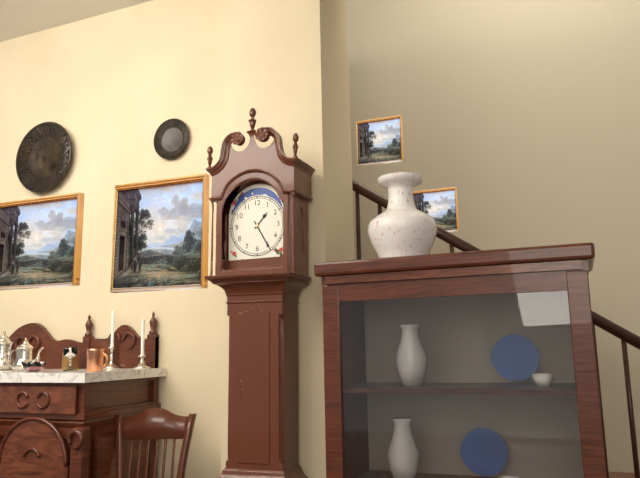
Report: {"hour": 1, "minute": 25}
